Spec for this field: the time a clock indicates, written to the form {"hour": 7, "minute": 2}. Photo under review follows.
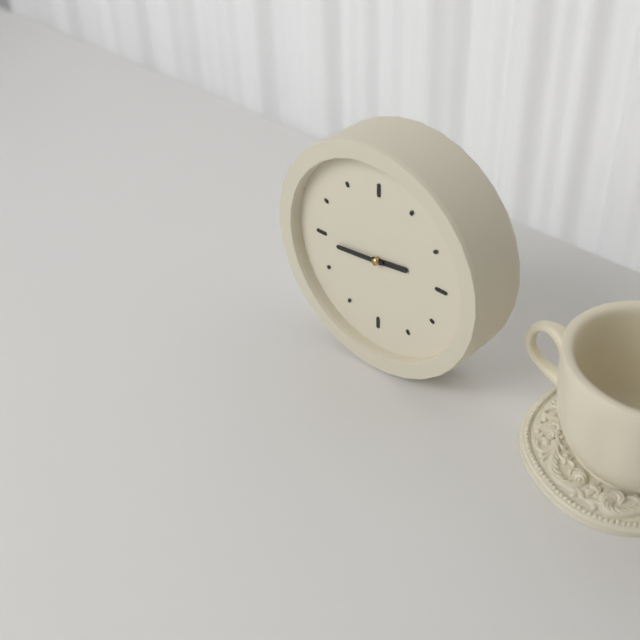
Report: {"hour": 2, "minute": 44}
